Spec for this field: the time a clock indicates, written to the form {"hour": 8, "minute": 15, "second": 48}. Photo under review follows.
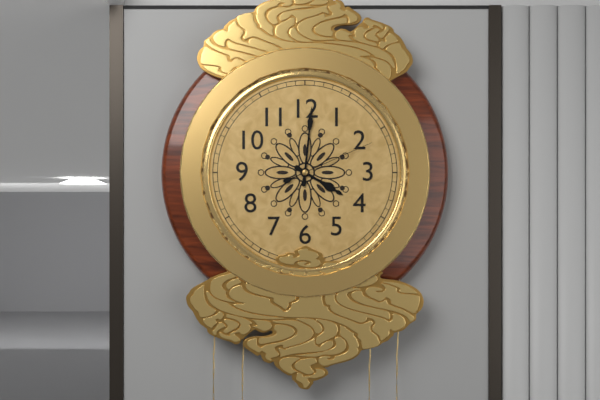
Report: {"hour": 4, "minute": 1, "second": 11}
